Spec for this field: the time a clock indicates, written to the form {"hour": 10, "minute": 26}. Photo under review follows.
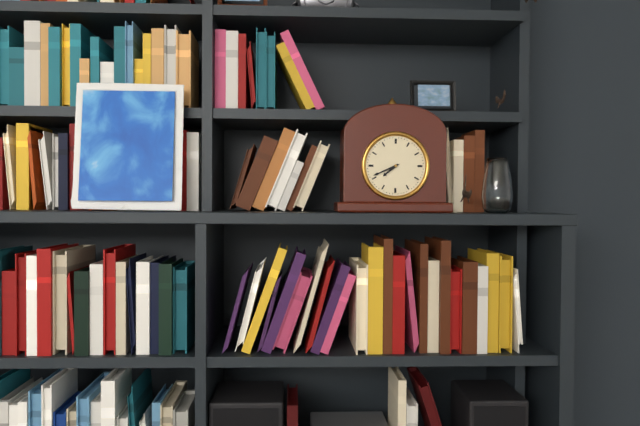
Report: {"hour": 7, "minute": 41}
